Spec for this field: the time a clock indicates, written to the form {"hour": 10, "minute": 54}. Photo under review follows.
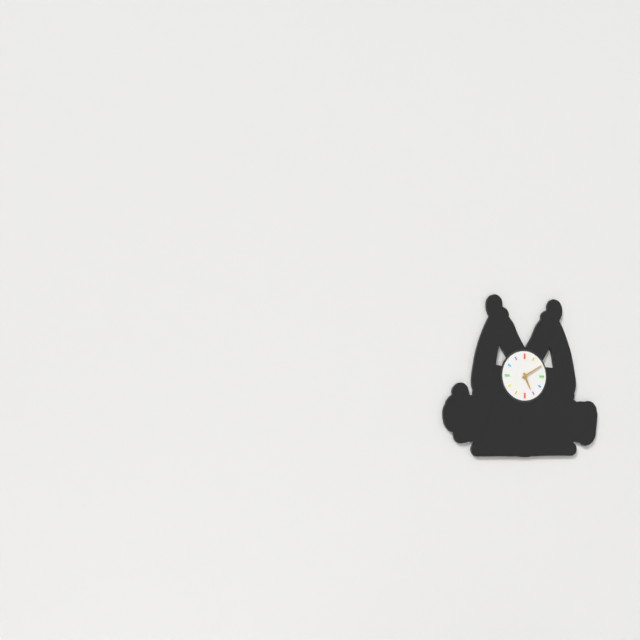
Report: {"hour": 5, "minute": 10}
